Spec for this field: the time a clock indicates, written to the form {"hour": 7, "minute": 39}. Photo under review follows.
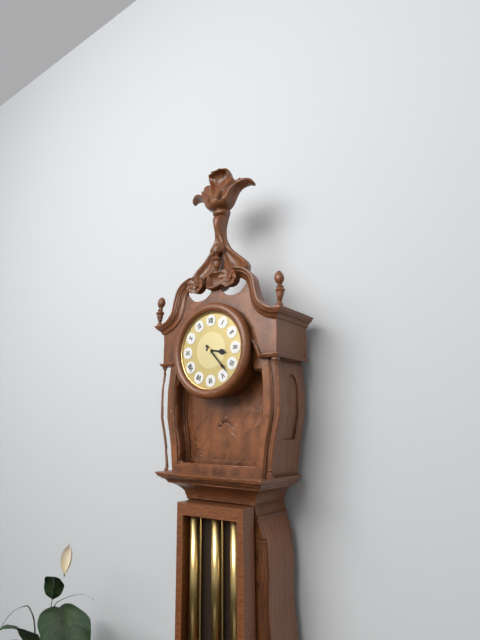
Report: {"hour": 3, "minute": 23}
